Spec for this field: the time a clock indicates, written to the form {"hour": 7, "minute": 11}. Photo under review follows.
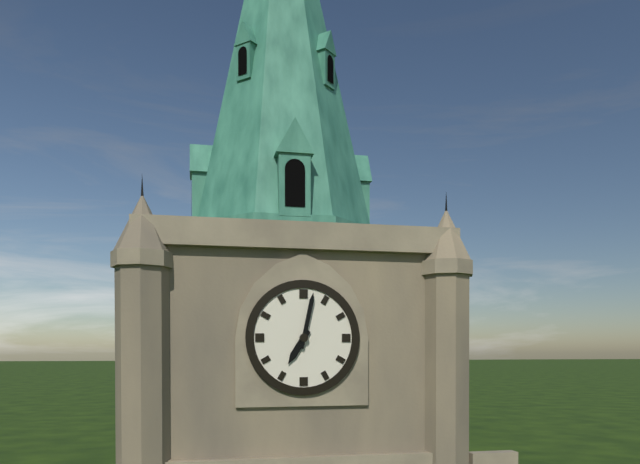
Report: {"hour": 7, "minute": 2}
